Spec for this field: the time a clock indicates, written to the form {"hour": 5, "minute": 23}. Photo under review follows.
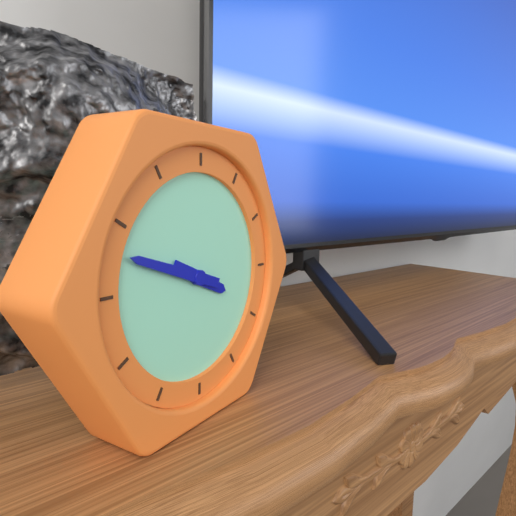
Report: {"hour": 3, "minute": 48}
